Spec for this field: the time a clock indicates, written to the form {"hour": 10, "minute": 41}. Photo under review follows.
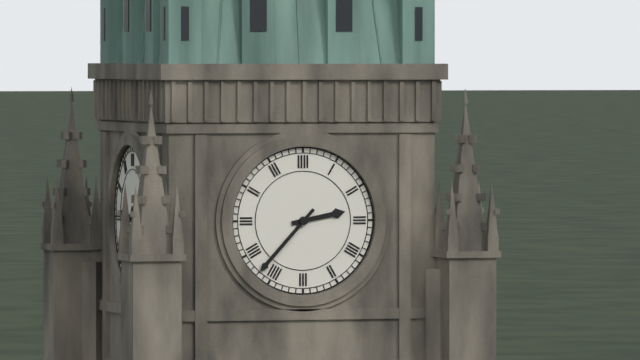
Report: {"hour": 2, "minute": 37}
